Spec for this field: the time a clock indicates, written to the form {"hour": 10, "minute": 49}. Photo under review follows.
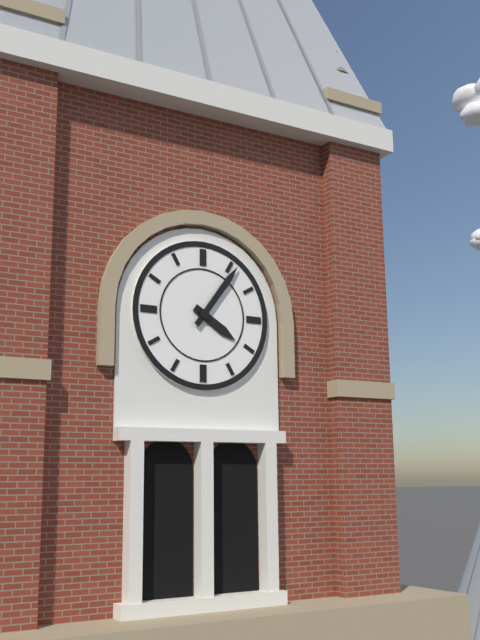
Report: {"hour": 4, "minute": 6}
